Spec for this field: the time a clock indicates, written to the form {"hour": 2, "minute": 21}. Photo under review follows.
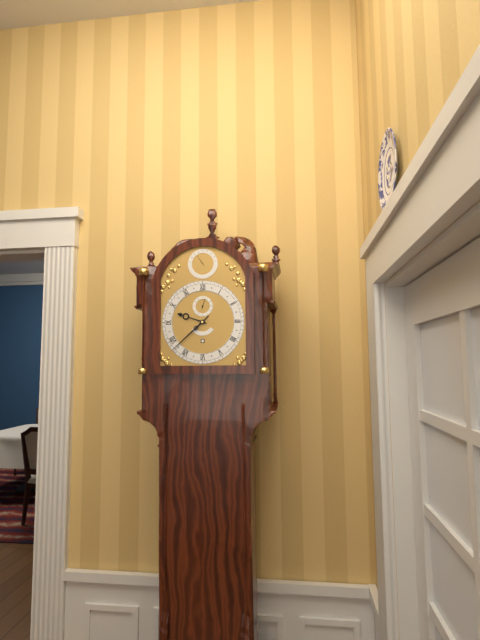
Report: {"hour": 9, "minute": 38}
